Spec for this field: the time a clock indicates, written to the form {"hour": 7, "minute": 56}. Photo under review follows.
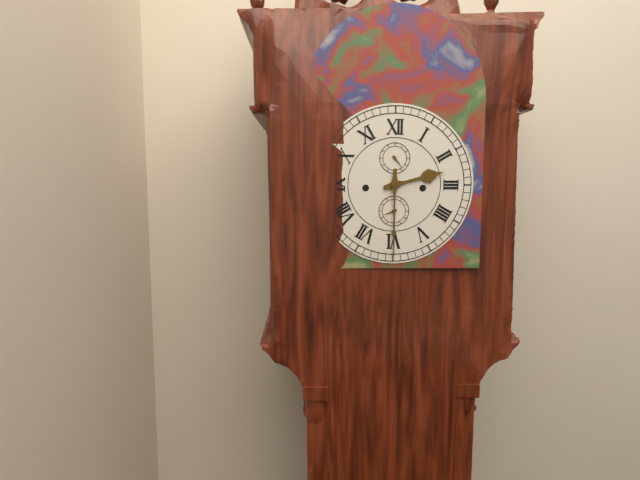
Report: {"hour": 2, "minute": 30}
